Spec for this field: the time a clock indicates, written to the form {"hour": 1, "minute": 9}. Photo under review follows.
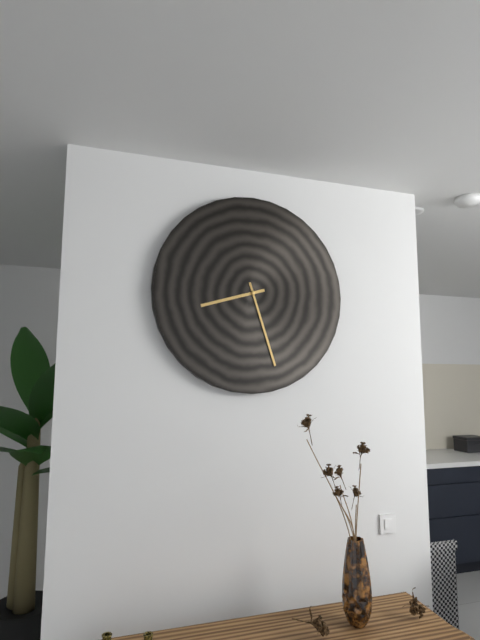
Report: {"hour": 8, "minute": 27}
